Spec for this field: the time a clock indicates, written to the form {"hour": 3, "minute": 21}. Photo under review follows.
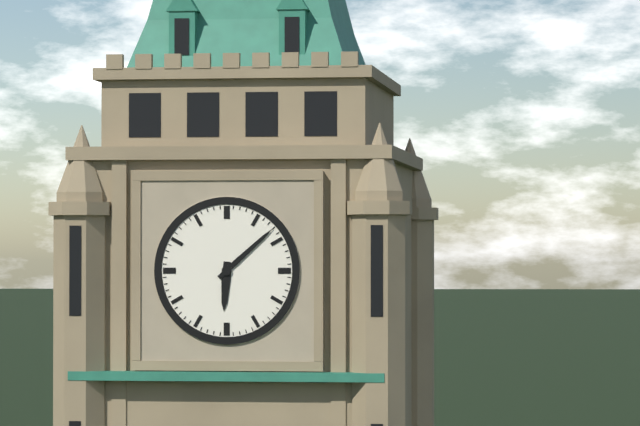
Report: {"hour": 6, "minute": 8}
